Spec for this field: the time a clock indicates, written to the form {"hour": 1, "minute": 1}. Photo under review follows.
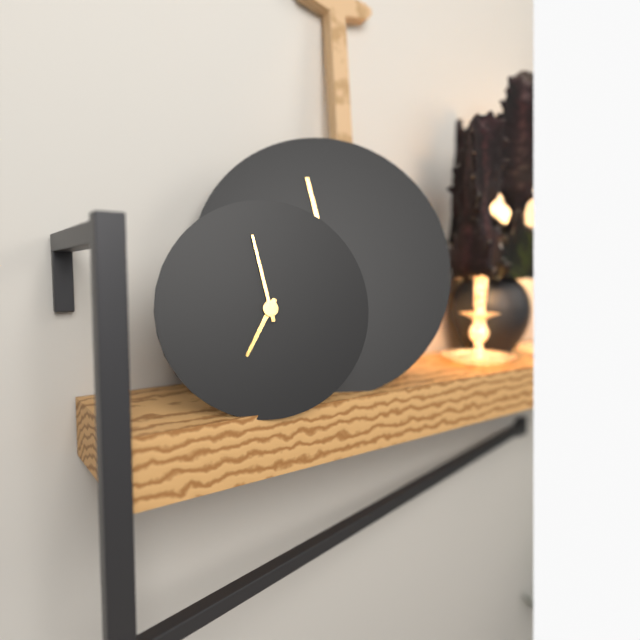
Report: {"hour": 6, "minute": 58}
